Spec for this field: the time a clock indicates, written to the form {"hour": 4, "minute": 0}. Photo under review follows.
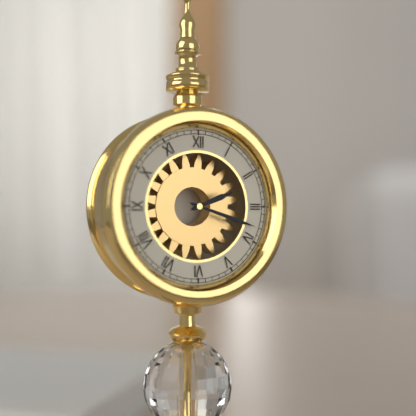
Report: {"hour": 2, "minute": 18}
